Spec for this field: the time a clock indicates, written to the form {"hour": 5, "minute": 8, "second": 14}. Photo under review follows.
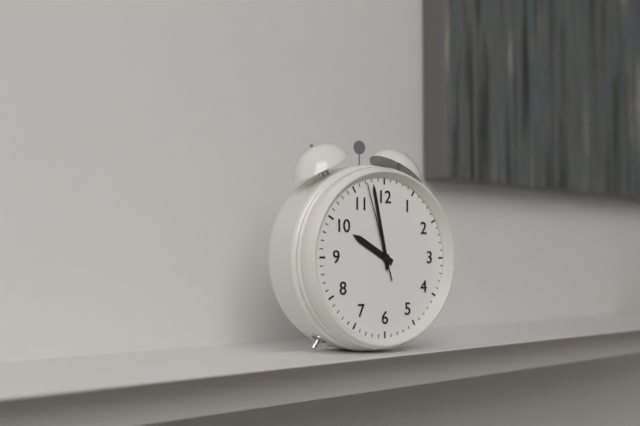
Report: {"hour": 9, "minute": 58, "second": 57}
